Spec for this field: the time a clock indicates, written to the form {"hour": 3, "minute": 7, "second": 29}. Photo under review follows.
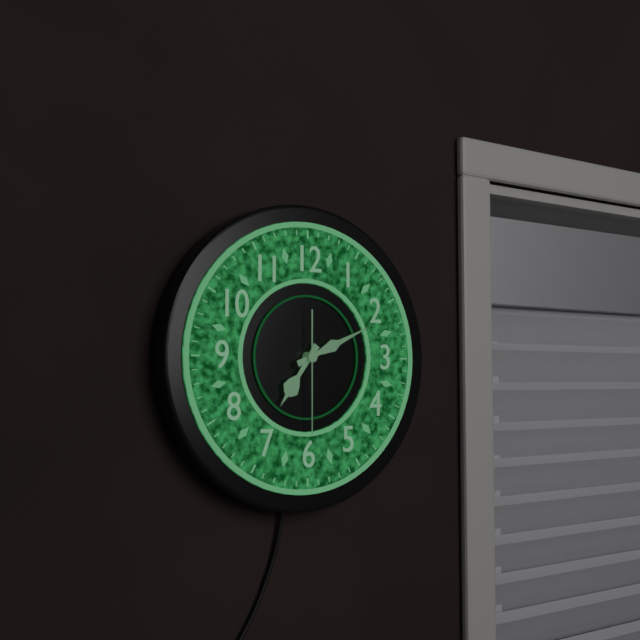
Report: {"hour": 7, "minute": 11, "second": 30}
